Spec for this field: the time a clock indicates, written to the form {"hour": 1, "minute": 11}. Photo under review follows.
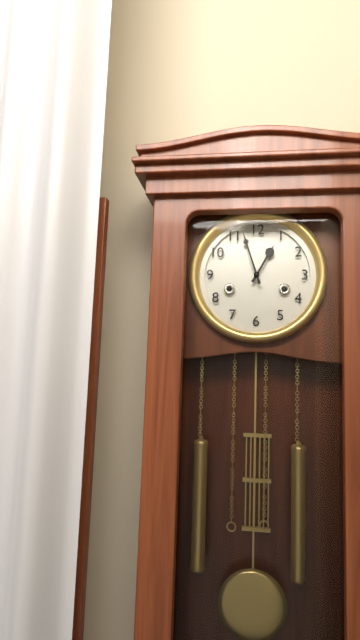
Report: {"hour": 12, "minute": 57}
